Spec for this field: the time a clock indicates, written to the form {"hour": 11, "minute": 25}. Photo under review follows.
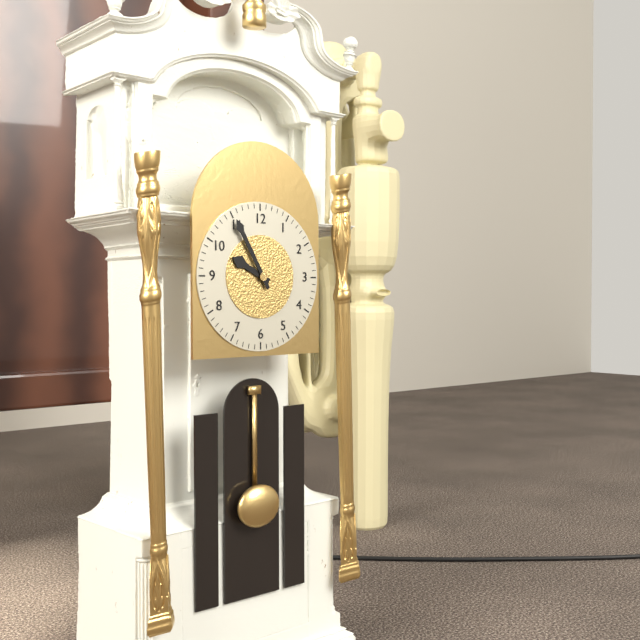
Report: {"hour": 9, "minute": 55}
